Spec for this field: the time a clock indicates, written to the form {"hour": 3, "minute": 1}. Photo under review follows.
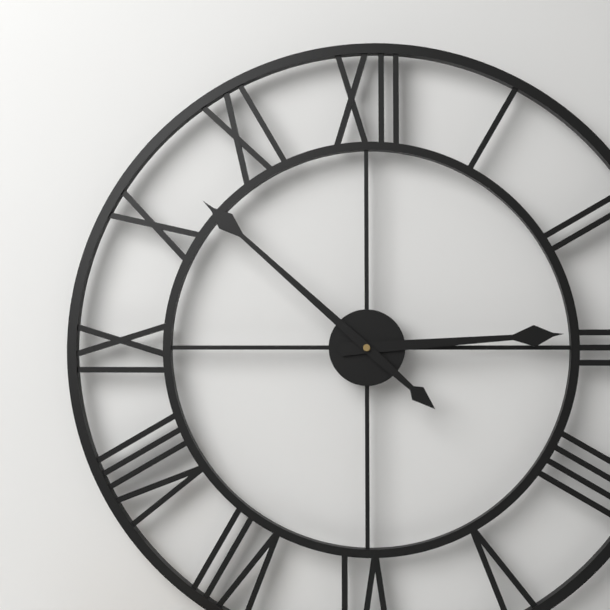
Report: {"hour": 2, "minute": 52}
